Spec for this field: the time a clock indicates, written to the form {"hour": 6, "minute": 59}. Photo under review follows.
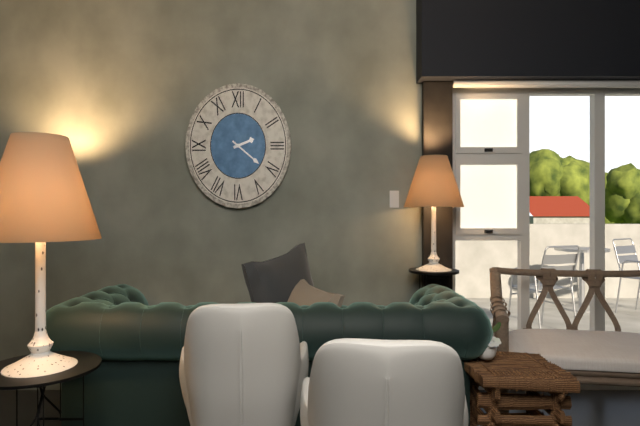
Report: {"hour": 2, "minute": 21}
